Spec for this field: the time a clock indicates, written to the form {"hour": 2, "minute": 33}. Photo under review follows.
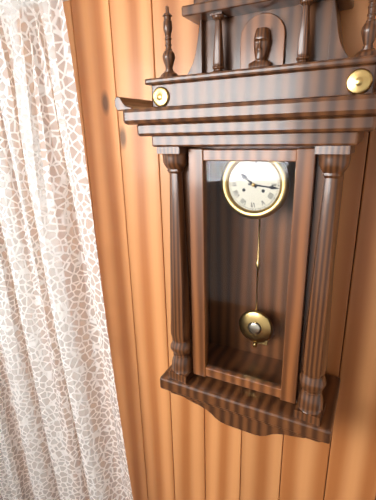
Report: {"hour": 10, "minute": 16}
